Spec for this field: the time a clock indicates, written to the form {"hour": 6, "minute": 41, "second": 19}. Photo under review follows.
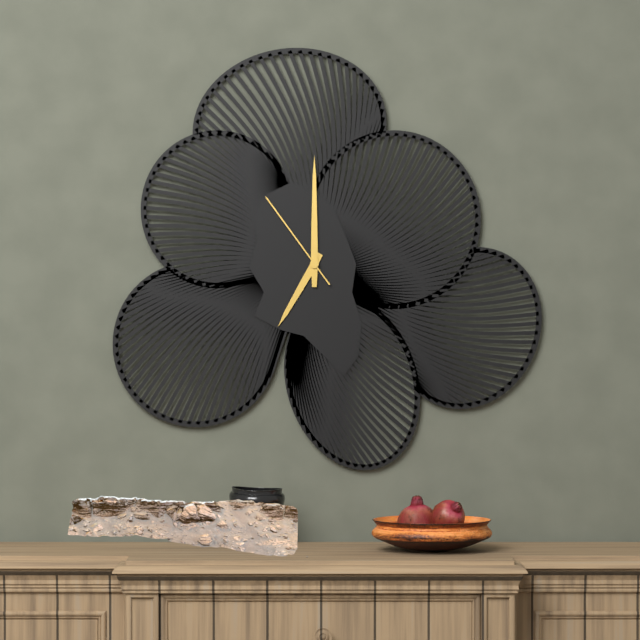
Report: {"hour": 7, "minute": 0, "second": 54}
